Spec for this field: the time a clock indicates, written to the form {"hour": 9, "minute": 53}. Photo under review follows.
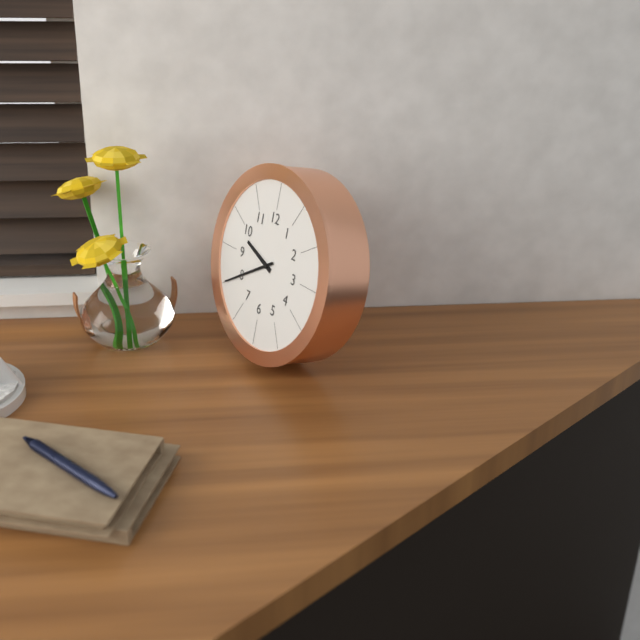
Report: {"hour": 9, "minute": 40}
